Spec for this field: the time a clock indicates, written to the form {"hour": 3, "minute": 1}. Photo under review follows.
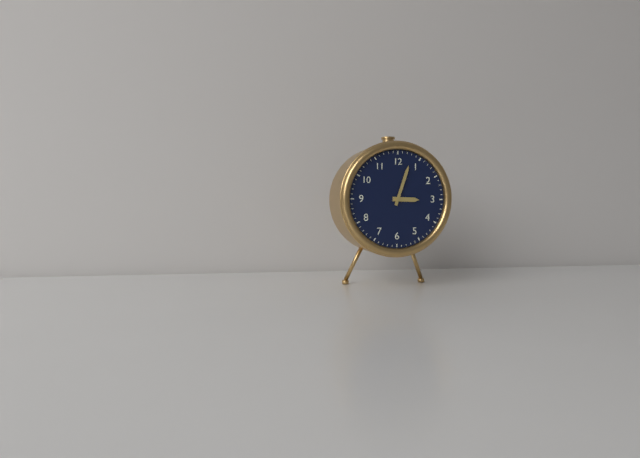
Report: {"hour": 3, "minute": 3}
